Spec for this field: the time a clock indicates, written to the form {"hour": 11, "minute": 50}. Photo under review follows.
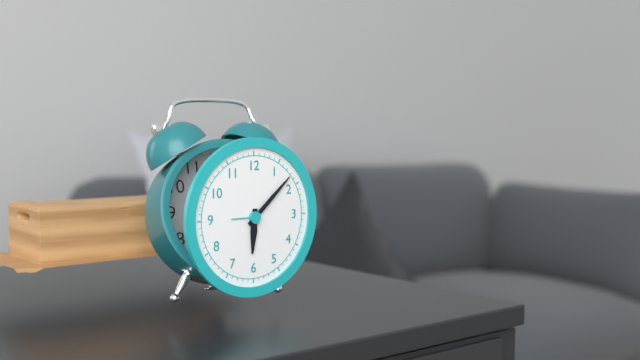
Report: {"hour": 6, "minute": 8}
